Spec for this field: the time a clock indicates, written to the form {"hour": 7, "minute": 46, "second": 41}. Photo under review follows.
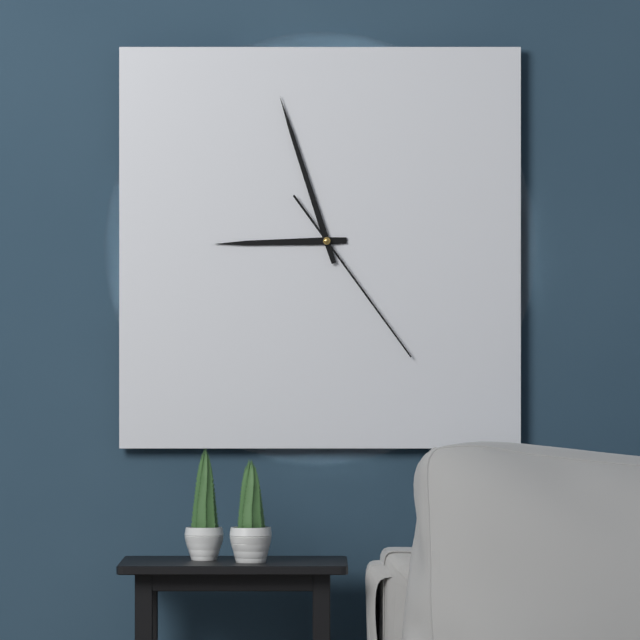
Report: {"hour": 8, "minute": 57, "second": 24}
